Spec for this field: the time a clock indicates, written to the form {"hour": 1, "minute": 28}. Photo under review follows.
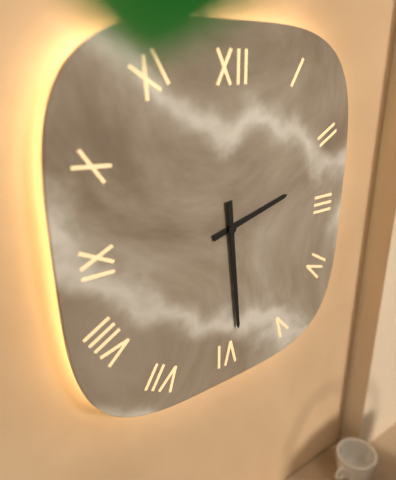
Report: {"hour": 2, "minute": 29}
